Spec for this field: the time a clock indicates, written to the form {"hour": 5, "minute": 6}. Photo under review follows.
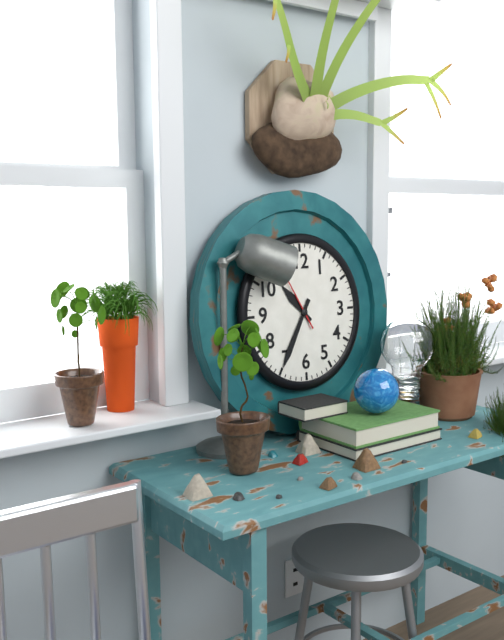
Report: {"hour": 10, "minute": 35}
